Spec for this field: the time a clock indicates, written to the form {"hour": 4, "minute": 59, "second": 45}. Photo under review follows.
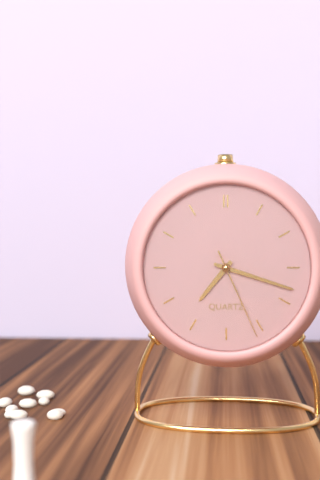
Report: {"hour": 7, "minute": 18, "second": 26}
